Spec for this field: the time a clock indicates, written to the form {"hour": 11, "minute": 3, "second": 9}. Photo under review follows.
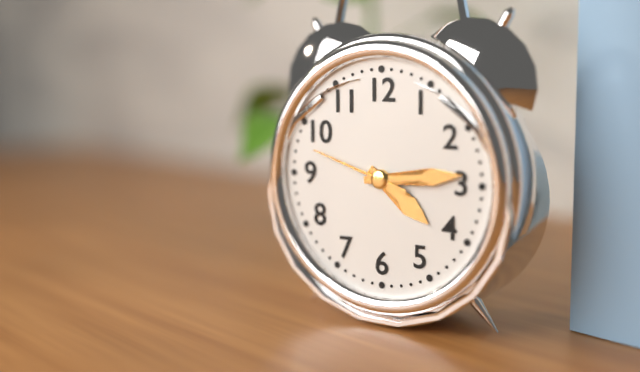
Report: {"hour": 4, "minute": 14, "second": 48}
